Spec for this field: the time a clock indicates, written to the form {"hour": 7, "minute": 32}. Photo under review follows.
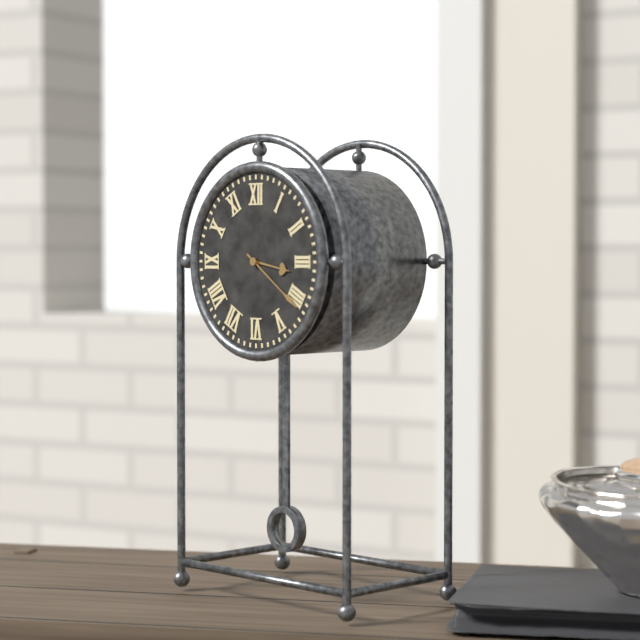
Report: {"hour": 3, "minute": 21}
